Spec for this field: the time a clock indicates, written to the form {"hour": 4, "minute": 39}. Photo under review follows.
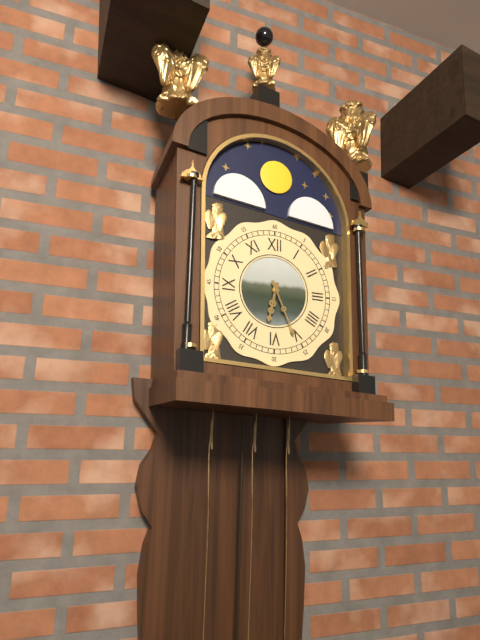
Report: {"hour": 6, "minute": 26}
